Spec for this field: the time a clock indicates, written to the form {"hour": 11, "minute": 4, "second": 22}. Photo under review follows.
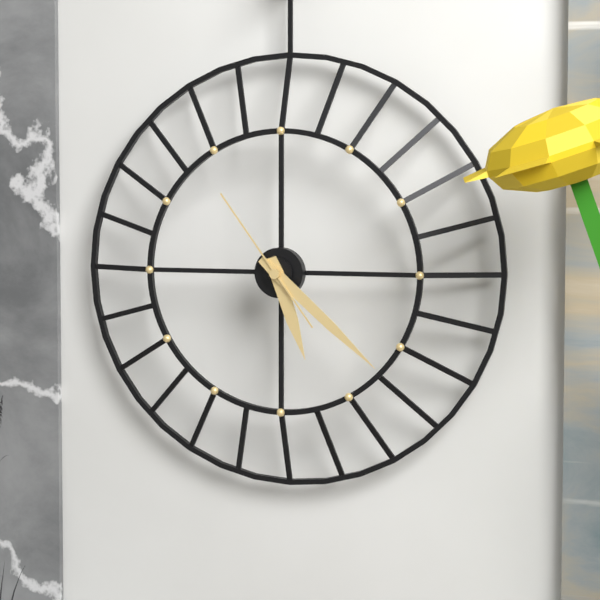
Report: {"hour": 5, "minute": 22, "second": 54}
